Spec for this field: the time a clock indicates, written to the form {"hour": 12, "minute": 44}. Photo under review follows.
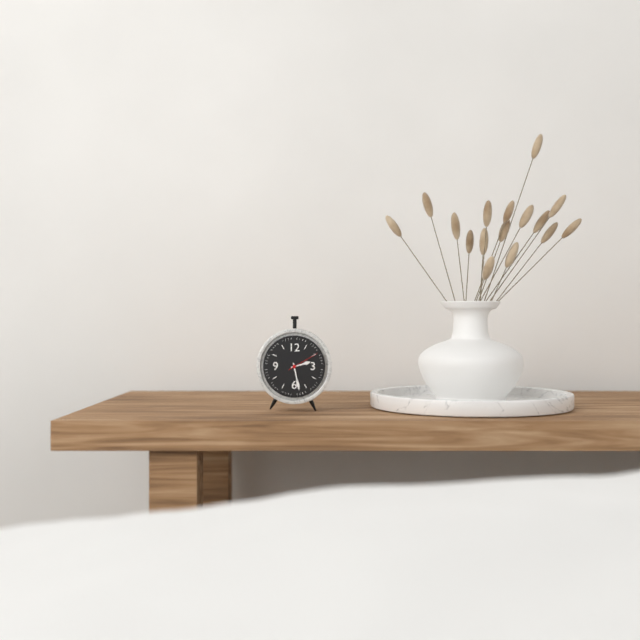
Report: {"hour": 2, "minute": 28}
